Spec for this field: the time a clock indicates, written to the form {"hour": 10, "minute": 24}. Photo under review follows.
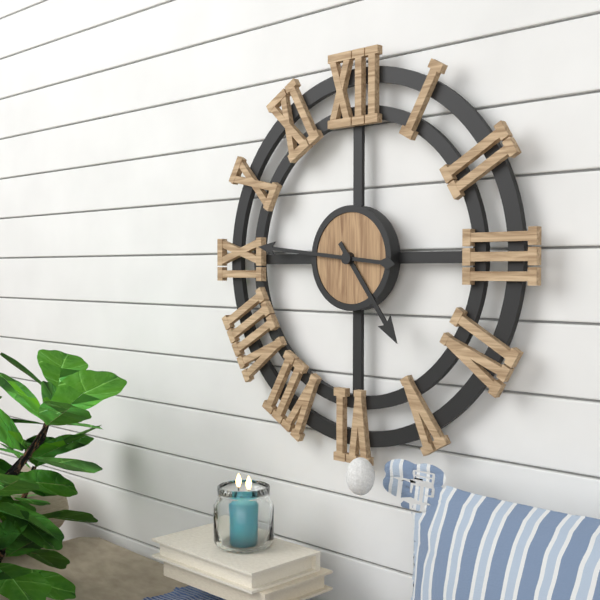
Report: {"hour": 4, "minute": 46}
